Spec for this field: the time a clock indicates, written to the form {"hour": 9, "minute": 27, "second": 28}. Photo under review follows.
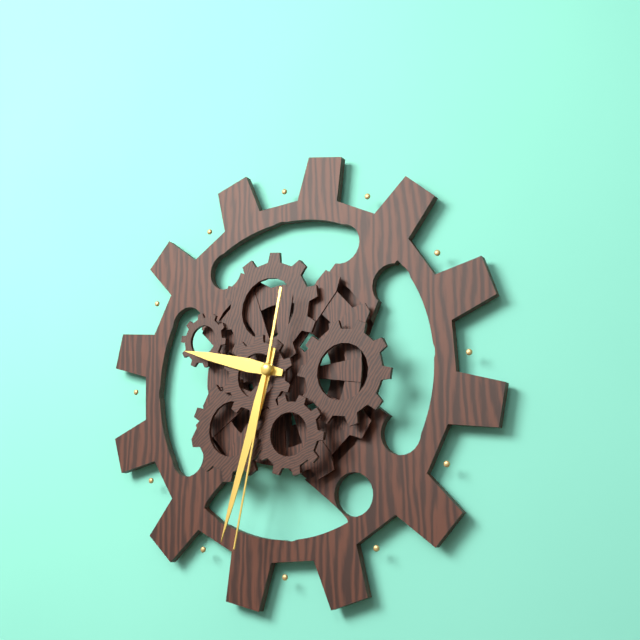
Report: {"hour": 9, "minute": 33, "second": 32}
